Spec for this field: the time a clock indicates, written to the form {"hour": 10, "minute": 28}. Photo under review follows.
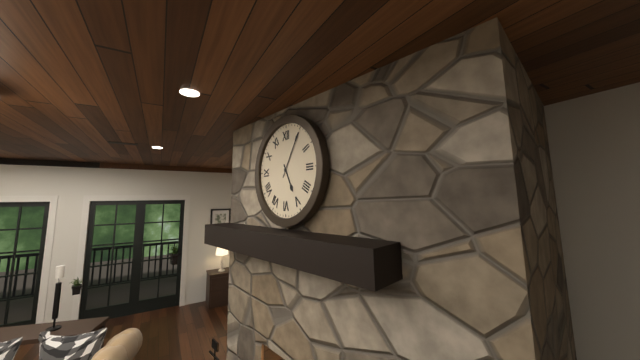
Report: {"hour": 5, "minute": 5}
